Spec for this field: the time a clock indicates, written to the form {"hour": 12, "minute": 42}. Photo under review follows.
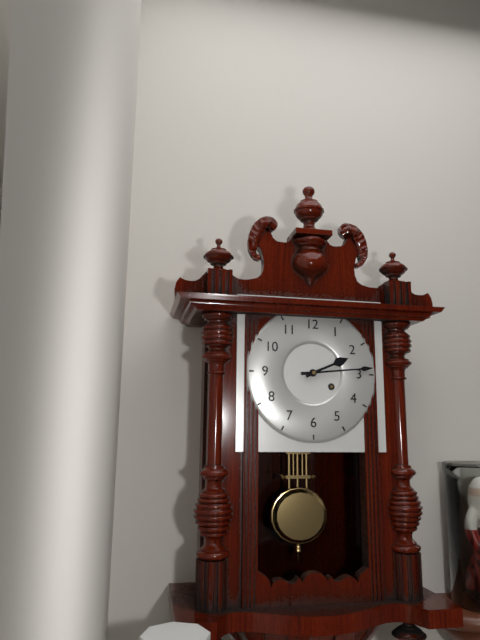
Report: {"hour": 2, "minute": 14}
